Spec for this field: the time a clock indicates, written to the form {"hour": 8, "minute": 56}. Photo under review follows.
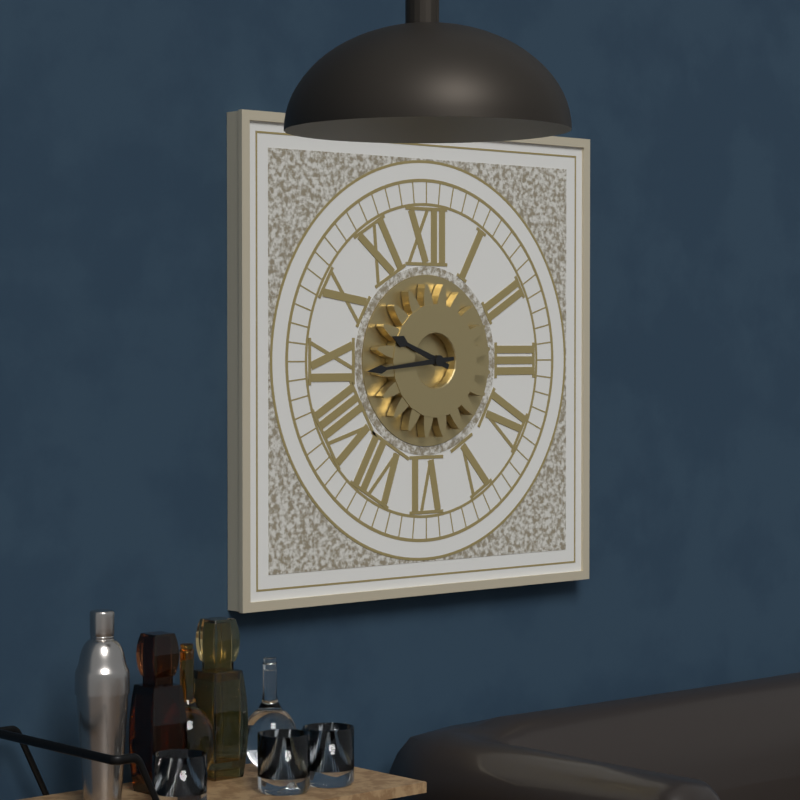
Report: {"hour": 9, "minute": 44}
